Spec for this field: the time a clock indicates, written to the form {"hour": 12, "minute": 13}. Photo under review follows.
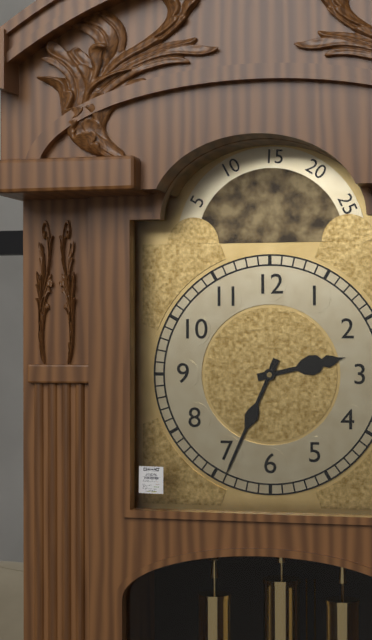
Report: {"hour": 2, "minute": 34}
